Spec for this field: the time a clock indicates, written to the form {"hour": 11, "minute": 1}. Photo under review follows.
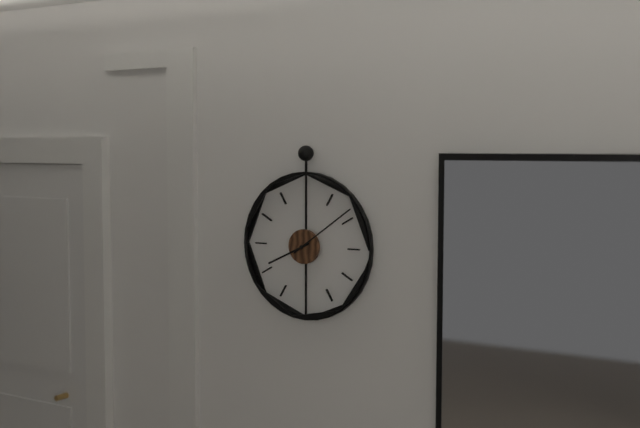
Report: {"hour": 8, "minute": 9}
